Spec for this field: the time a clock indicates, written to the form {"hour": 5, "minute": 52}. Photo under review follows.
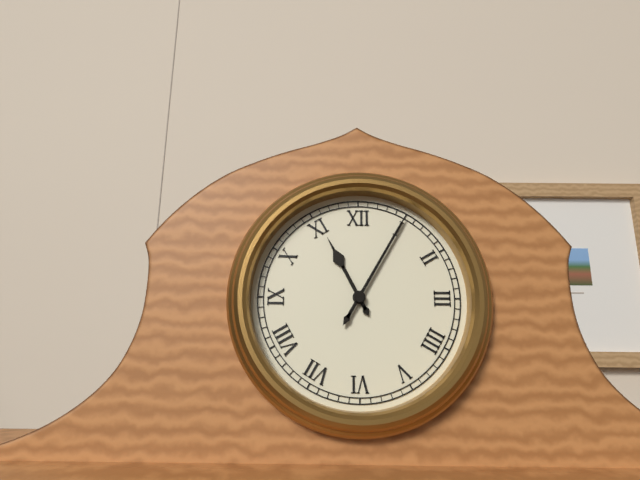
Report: {"hour": 11, "minute": 5}
